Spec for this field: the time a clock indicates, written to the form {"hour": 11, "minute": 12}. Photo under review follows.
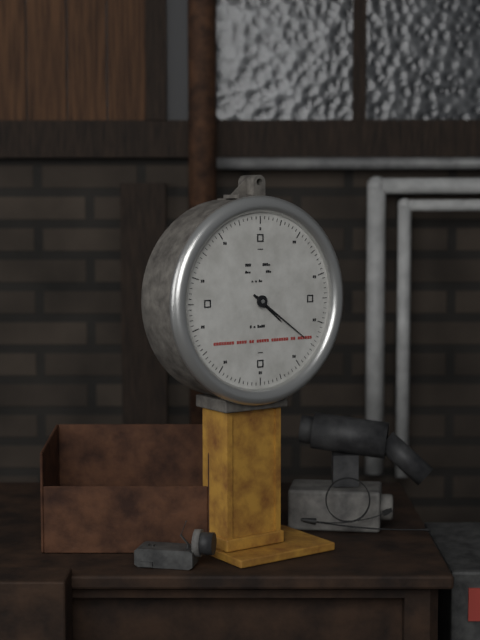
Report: {"hour": 4, "minute": 21}
